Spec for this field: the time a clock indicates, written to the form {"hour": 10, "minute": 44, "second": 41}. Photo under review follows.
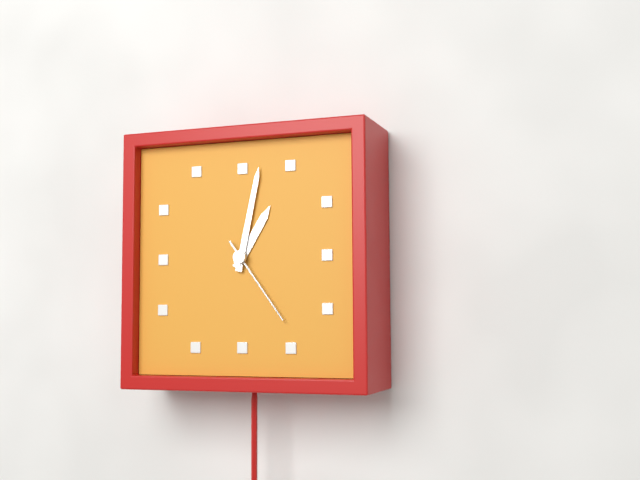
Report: {"hour": 1, "minute": 2, "second": 24}
